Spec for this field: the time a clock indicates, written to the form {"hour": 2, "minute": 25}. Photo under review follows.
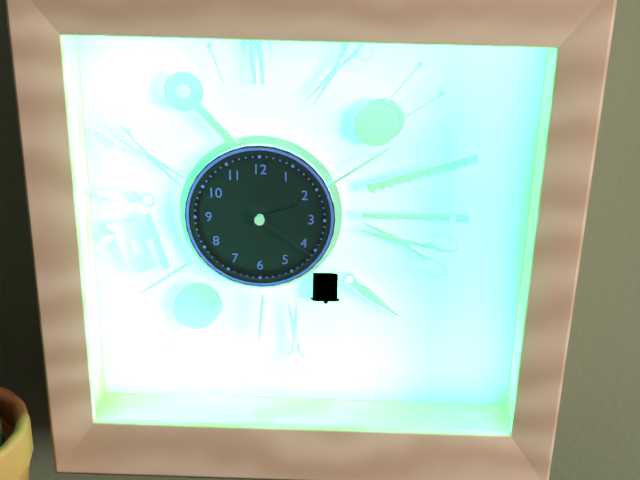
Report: {"hour": 2, "minute": 21}
